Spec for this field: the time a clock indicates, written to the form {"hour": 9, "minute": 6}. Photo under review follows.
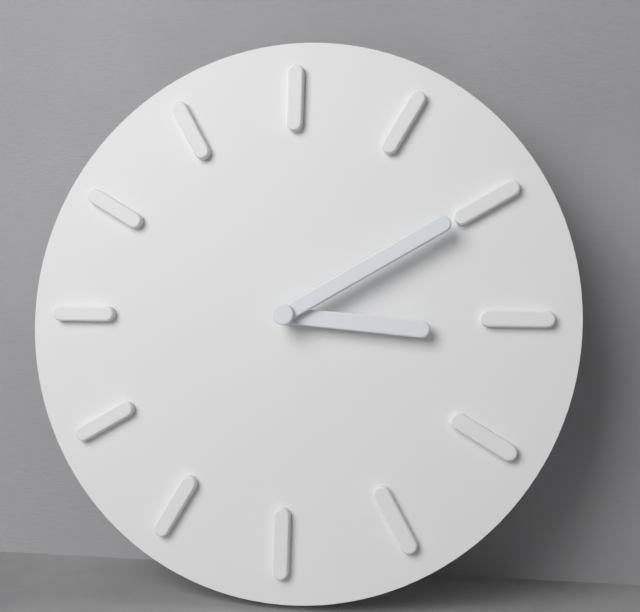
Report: {"hour": 3, "minute": 10}
